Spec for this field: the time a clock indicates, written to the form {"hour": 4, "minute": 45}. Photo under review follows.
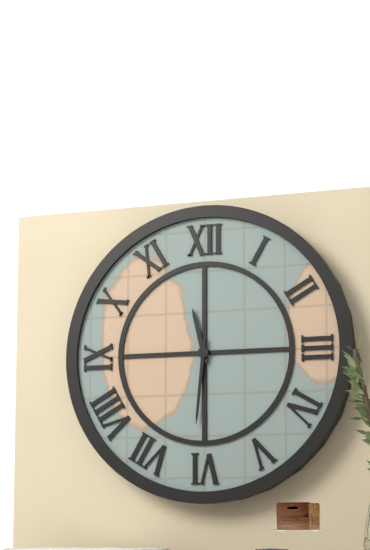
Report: {"hour": 11, "minute": 31}
